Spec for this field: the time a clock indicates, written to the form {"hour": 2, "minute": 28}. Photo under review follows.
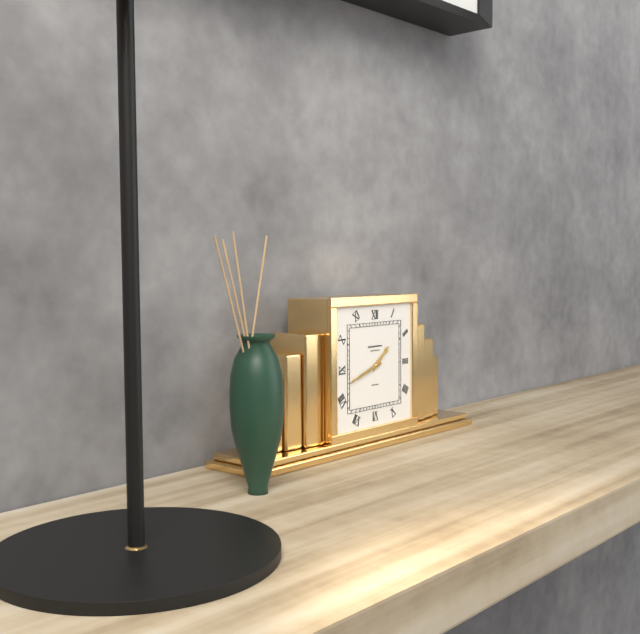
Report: {"hour": 1, "minute": 42}
